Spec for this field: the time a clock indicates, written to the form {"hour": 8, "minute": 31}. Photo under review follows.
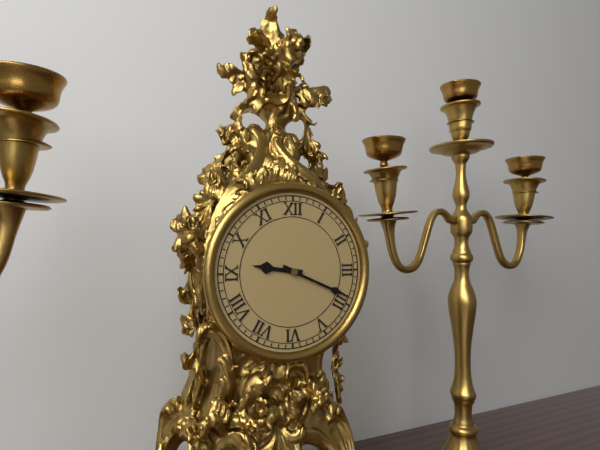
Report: {"hour": 9, "minute": 19}
